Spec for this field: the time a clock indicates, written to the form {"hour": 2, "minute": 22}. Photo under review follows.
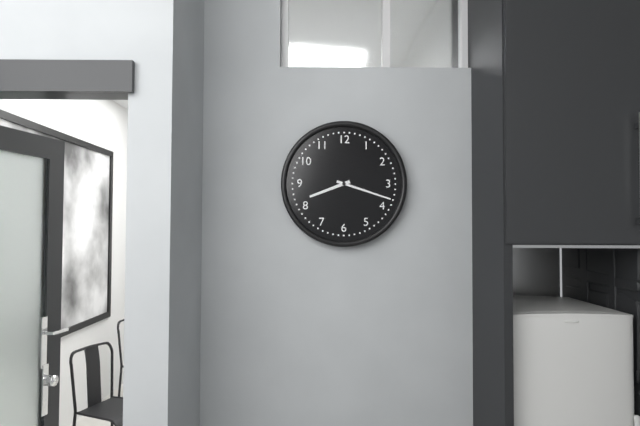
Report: {"hour": 8, "minute": 18}
